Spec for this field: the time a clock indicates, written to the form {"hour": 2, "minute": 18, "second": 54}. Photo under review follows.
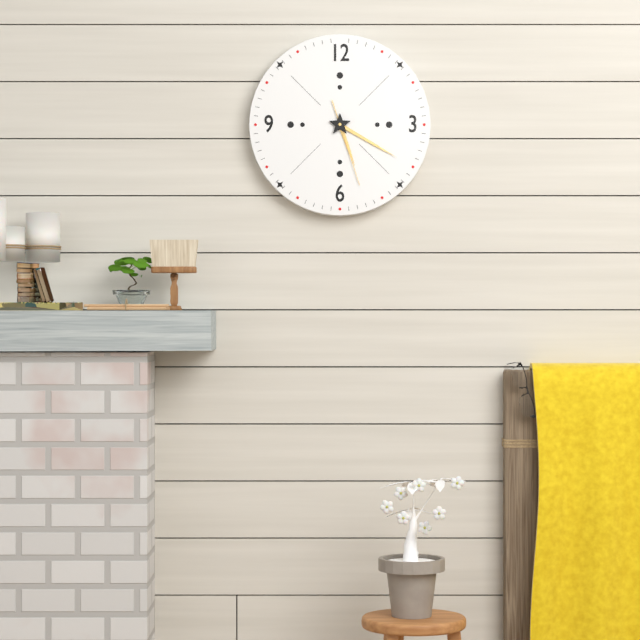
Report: {"hour": 5, "minute": 20, "second": 27}
